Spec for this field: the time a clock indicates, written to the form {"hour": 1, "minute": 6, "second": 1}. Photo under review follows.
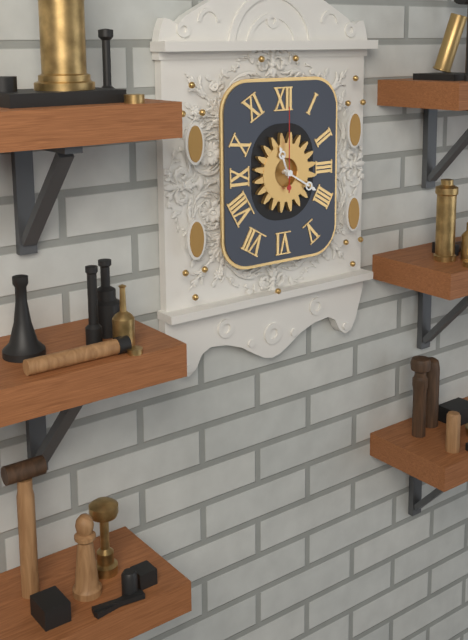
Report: {"hour": 11, "minute": 20, "second": 0}
